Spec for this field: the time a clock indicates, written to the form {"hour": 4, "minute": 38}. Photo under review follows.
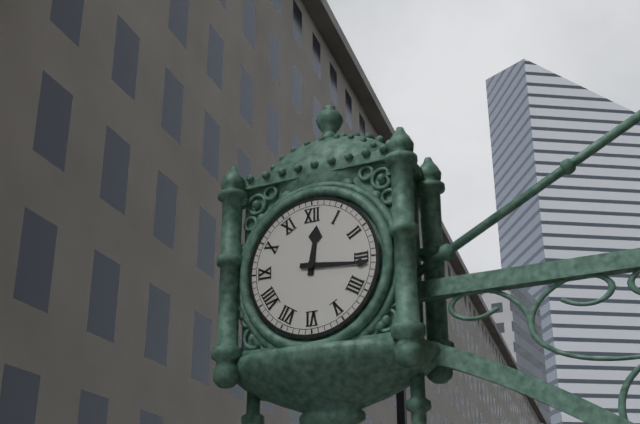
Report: {"hour": 12, "minute": 16}
